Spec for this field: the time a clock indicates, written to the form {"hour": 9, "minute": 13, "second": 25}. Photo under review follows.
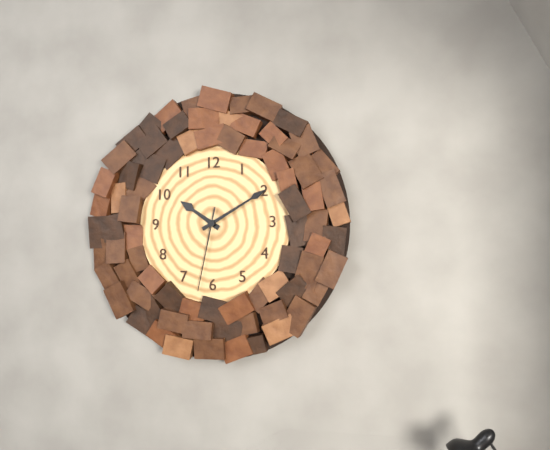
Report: {"hour": 10, "minute": 10, "second": 32}
